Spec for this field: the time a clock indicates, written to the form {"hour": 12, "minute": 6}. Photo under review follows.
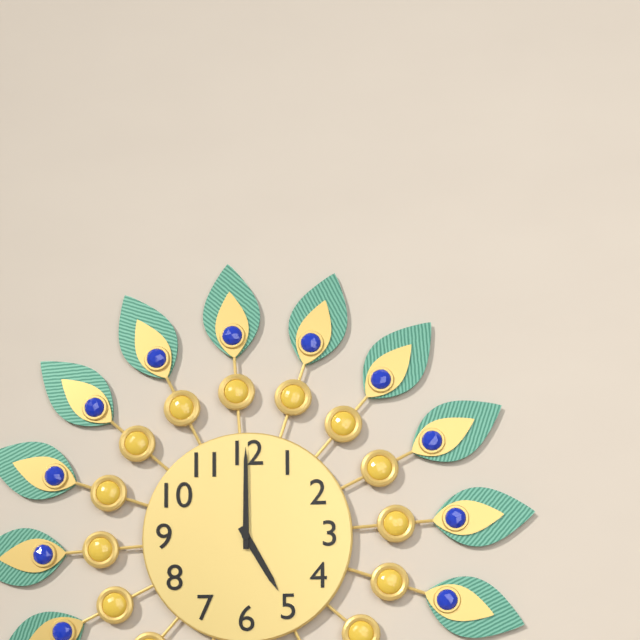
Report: {"hour": 5, "minute": 0}
